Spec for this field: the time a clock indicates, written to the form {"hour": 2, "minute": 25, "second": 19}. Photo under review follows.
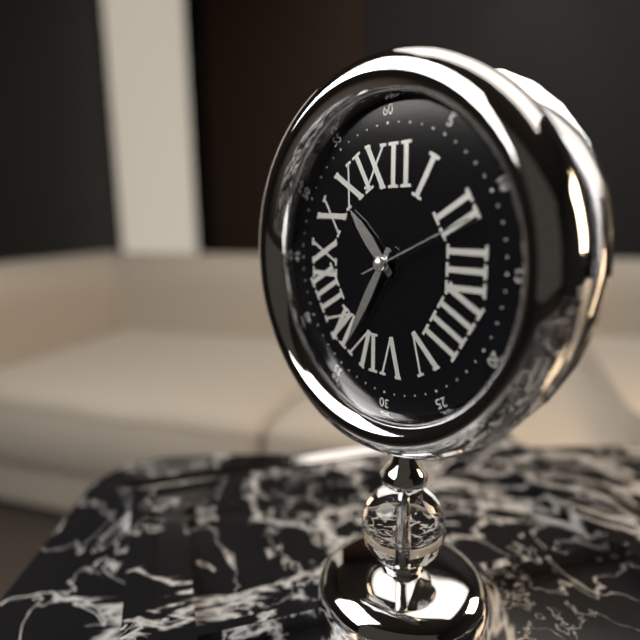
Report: {"hour": 10, "minute": 35, "second": 11}
